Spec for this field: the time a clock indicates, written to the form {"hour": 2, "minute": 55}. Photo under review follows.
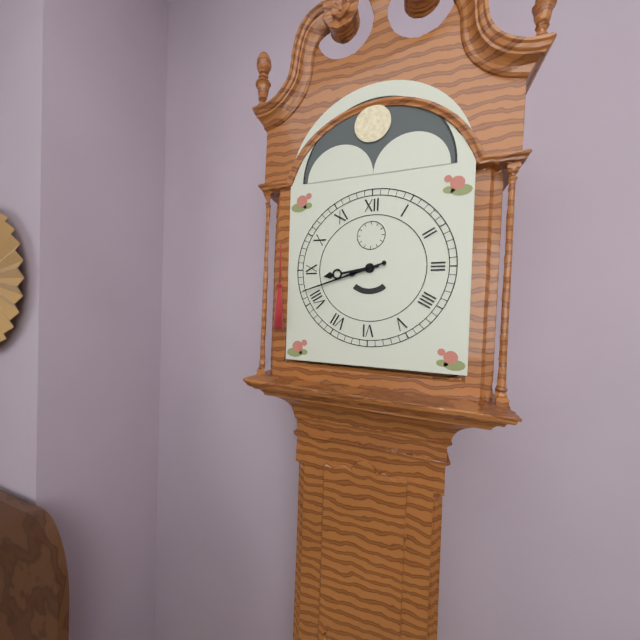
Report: {"hour": 8, "minute": 42}
